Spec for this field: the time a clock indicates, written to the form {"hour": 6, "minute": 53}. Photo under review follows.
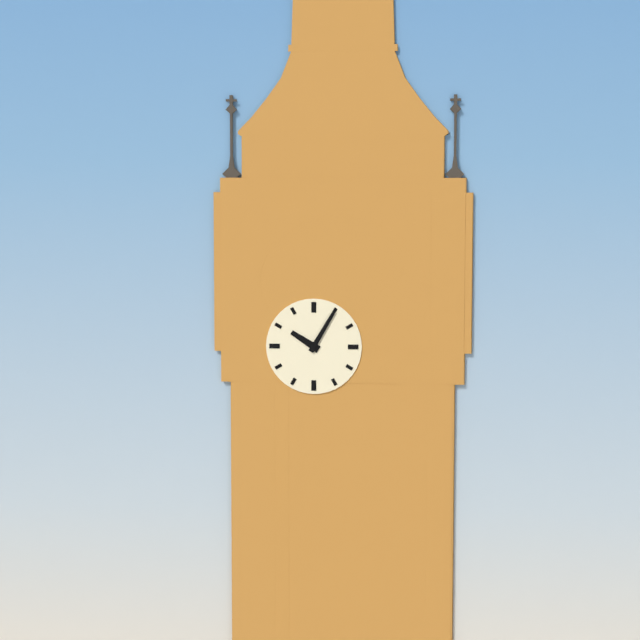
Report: {"hour": 10, "minute": 5}
